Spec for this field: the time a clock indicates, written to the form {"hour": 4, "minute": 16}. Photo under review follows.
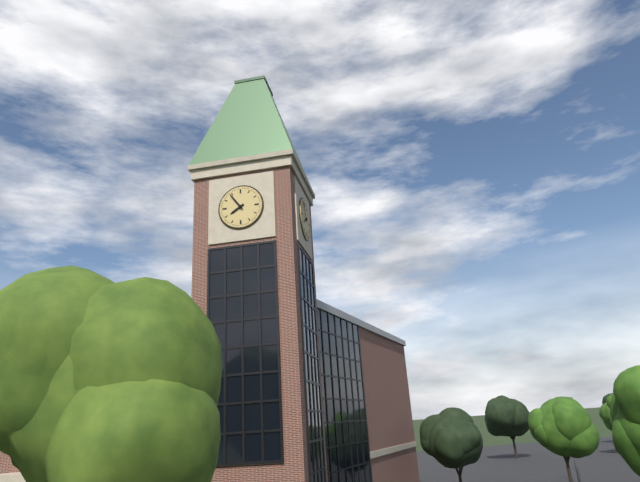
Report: {"hour": 7, "minute": 54}
